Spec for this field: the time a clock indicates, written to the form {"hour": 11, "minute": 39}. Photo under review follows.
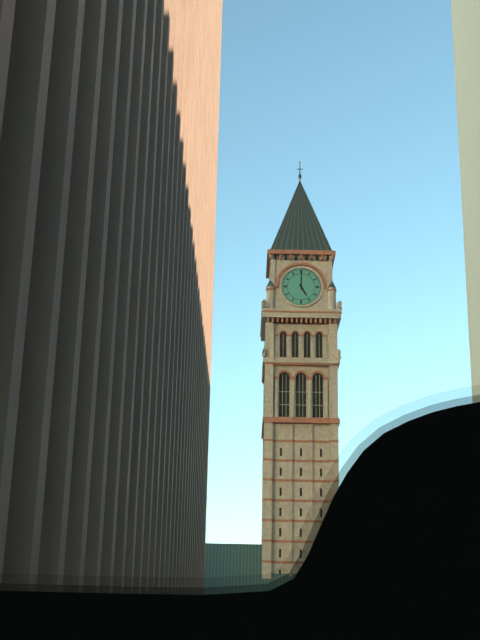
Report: {"hour": 5, "minute": 0}
